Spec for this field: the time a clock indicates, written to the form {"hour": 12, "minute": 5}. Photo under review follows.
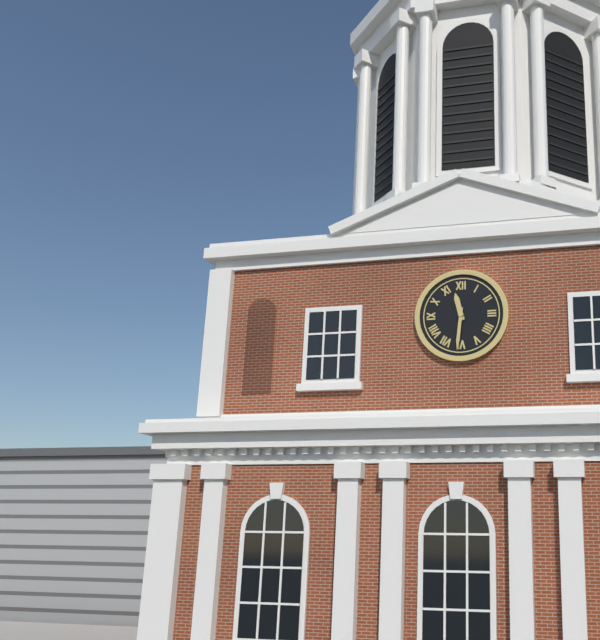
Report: {"hour": 11, "minute": 31}
